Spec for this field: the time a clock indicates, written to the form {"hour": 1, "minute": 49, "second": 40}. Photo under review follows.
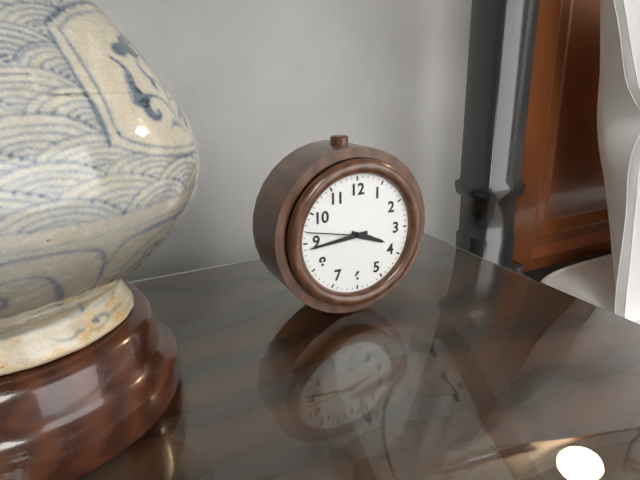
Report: {"hour": 3, "minute": 44, "second": 47}
